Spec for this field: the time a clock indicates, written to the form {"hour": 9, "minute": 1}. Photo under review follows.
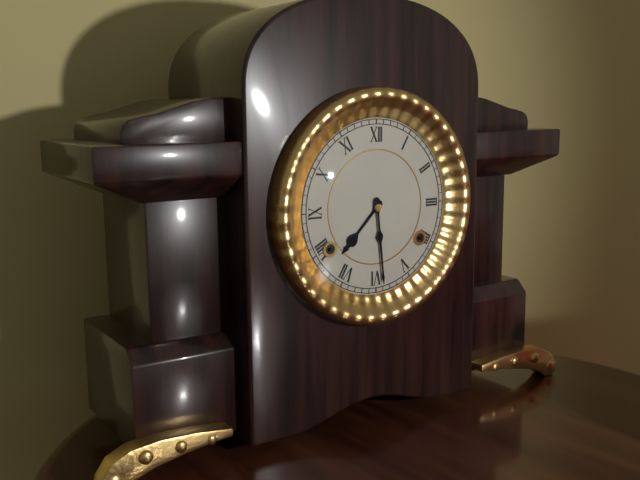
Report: {"hour": 7, "minute": 29}
